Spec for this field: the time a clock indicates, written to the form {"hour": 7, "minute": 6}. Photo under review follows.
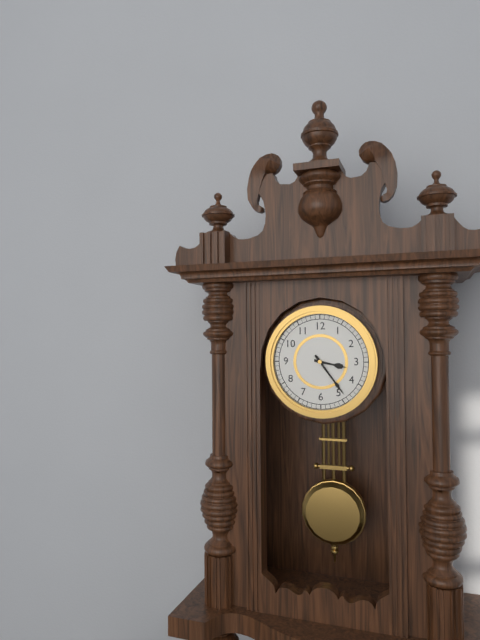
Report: {"hour": 3, "minute": 24}
